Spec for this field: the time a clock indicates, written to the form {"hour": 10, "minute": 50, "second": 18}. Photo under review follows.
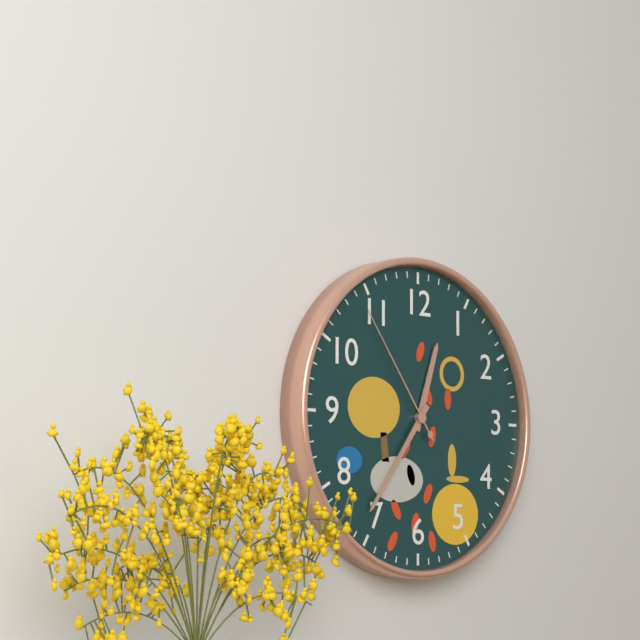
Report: {"hour": 12, "minute": 36, "second": 54}
